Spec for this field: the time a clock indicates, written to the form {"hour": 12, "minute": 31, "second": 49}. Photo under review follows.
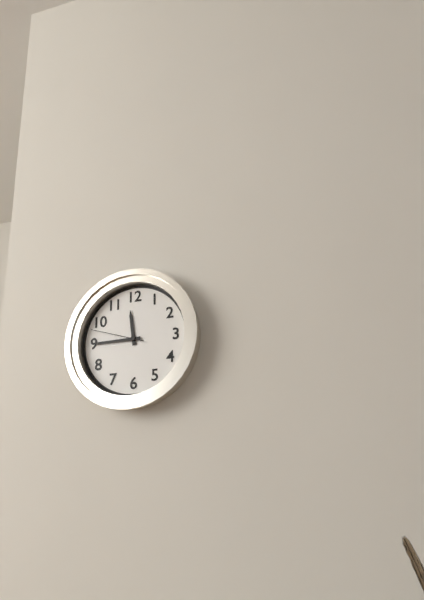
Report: {"hour": 11, "minute": 45, "second": 48}
